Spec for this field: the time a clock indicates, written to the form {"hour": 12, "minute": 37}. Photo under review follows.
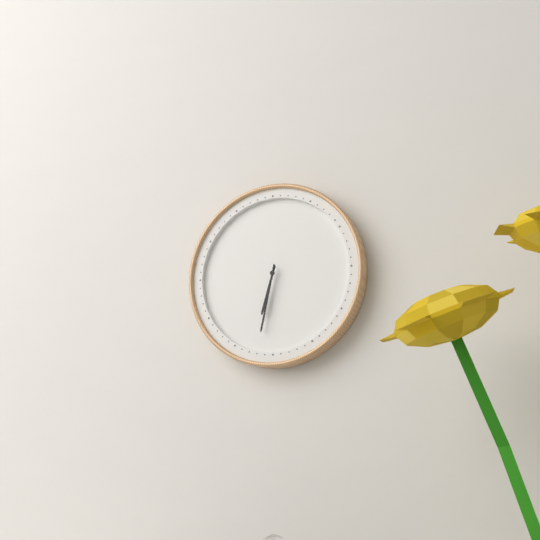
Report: {"hour": 6, "minute": 32}
